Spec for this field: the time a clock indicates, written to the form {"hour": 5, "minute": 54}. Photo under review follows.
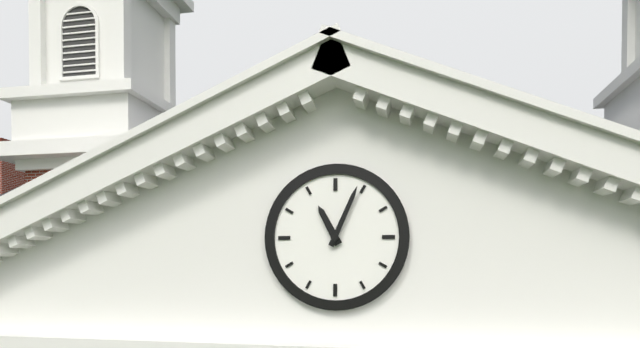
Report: {"hour": 11, "minute": 4}
